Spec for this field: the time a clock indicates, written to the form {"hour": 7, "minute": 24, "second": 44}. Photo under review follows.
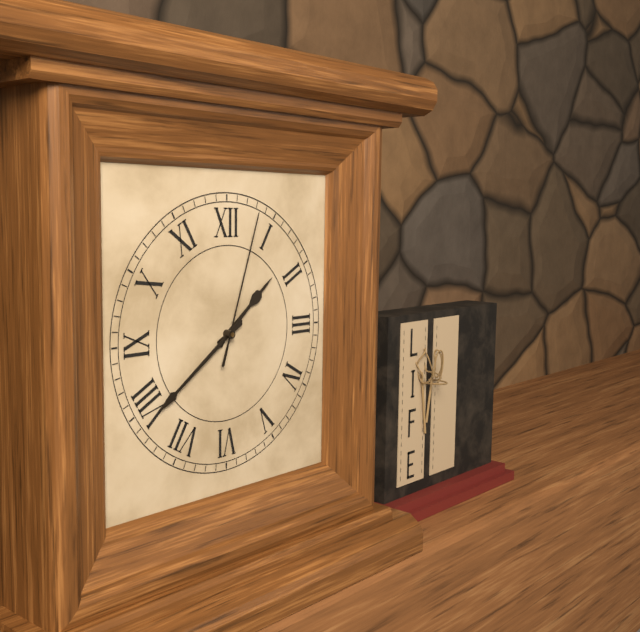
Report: {"hour": 1, "minute": 39, "second": 3}
